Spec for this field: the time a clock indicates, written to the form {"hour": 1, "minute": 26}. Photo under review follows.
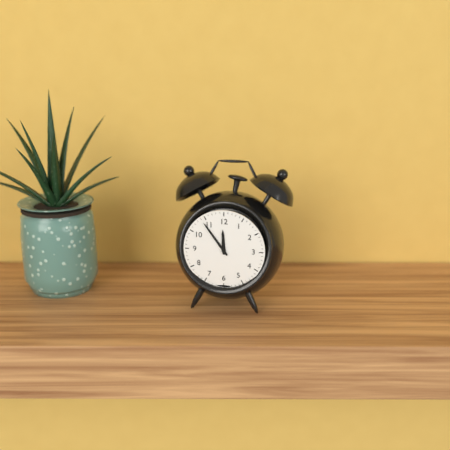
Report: {"hour": 11, "minute": 54}
